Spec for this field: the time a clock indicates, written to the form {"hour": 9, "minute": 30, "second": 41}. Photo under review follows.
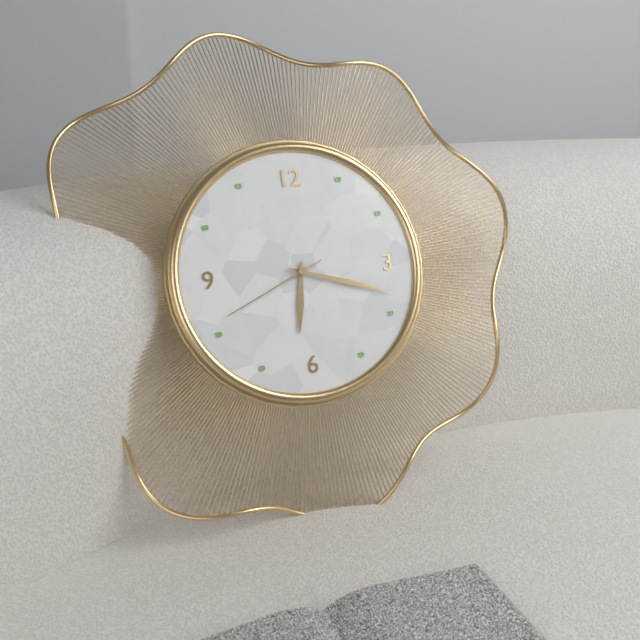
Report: {"hour": 6, "minute": 18, "second": 41}
